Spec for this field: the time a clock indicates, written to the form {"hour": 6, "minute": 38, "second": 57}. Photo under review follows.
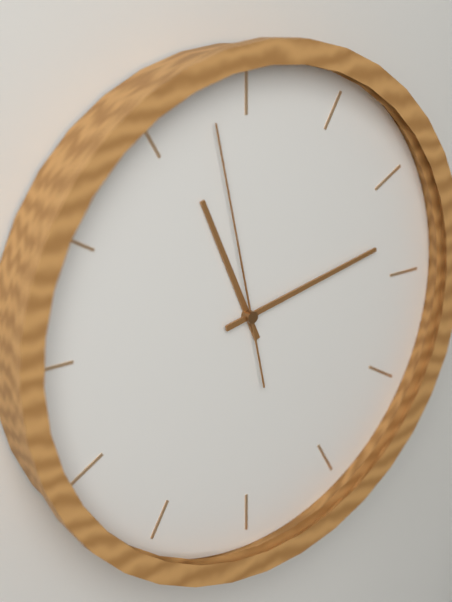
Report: {"hour": 11, "minute": 13, "second": 58}
